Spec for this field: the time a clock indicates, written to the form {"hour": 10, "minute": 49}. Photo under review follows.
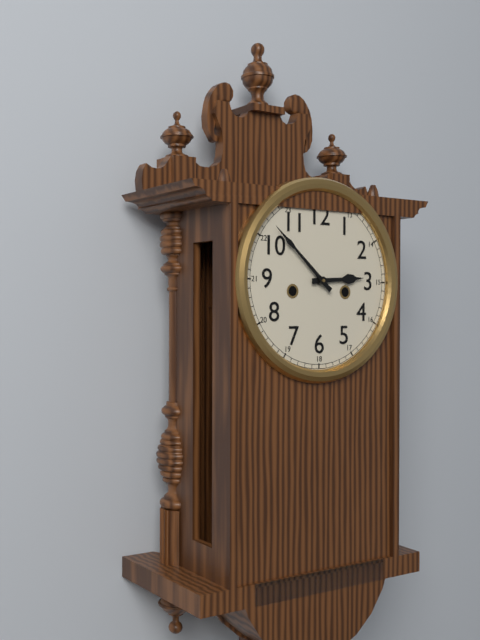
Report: {"hour": 2, "minute": 52}
